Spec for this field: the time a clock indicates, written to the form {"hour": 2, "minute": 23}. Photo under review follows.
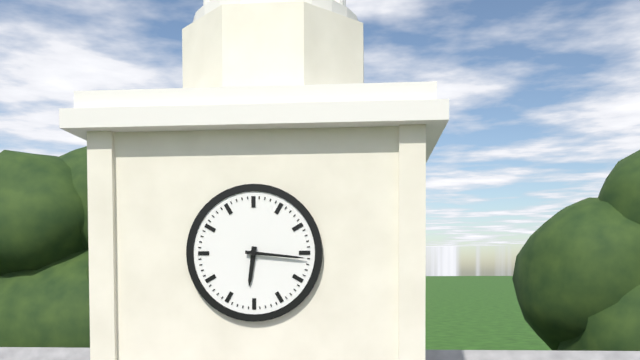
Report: {"hour": 6, "minute": 16}
